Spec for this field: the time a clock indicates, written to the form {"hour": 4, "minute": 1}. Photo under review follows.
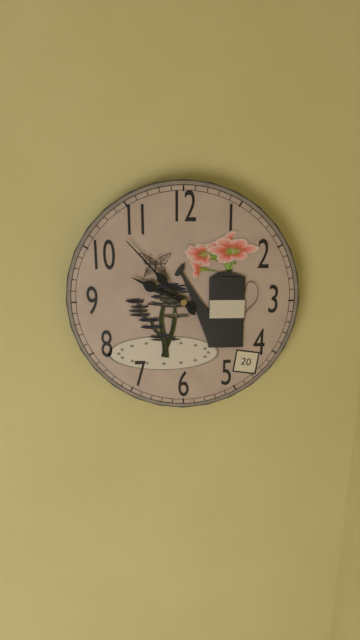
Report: {"hour": 9, "minute": 53}
